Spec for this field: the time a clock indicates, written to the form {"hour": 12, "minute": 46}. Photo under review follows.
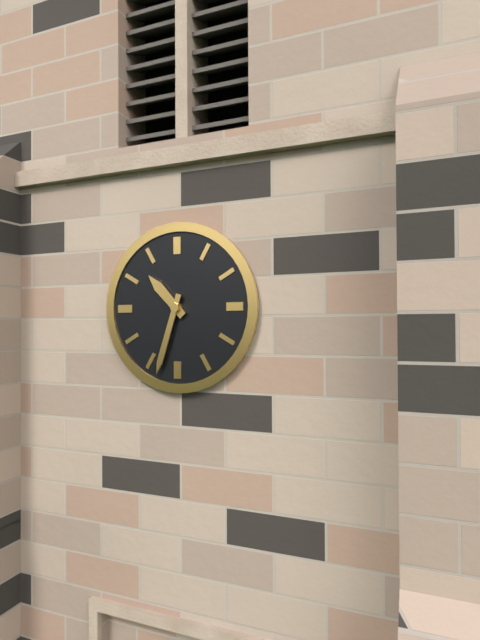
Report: {"hour": 10, "minute": 33}
